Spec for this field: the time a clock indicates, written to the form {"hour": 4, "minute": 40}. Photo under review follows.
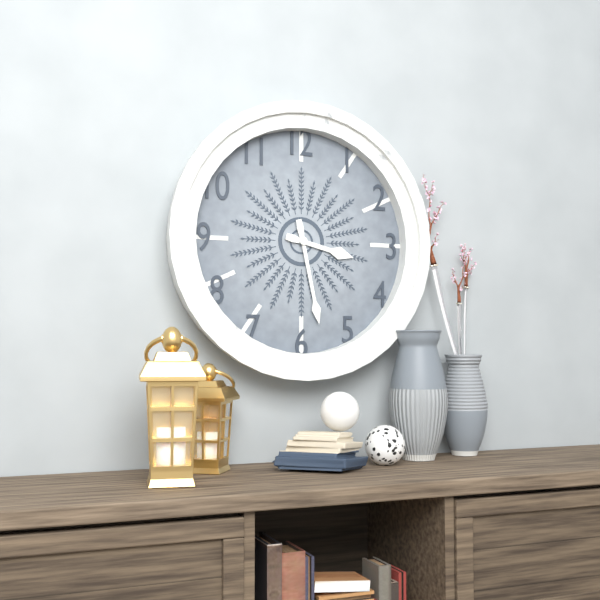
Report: {"hour": 3, "minute": 28}
